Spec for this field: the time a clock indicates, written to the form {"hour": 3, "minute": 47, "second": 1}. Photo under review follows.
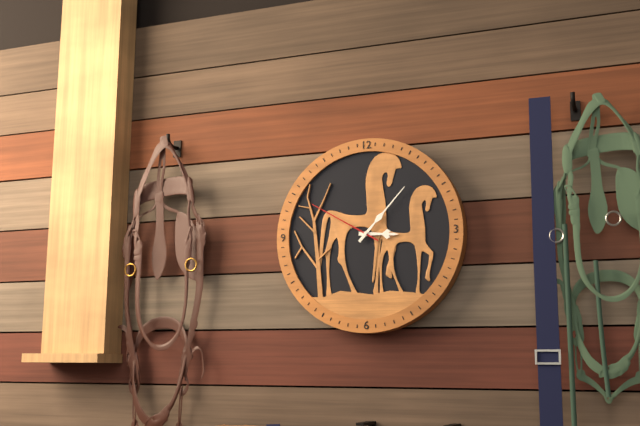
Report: {"hour": 3, "minute": 7, "second": 50}
